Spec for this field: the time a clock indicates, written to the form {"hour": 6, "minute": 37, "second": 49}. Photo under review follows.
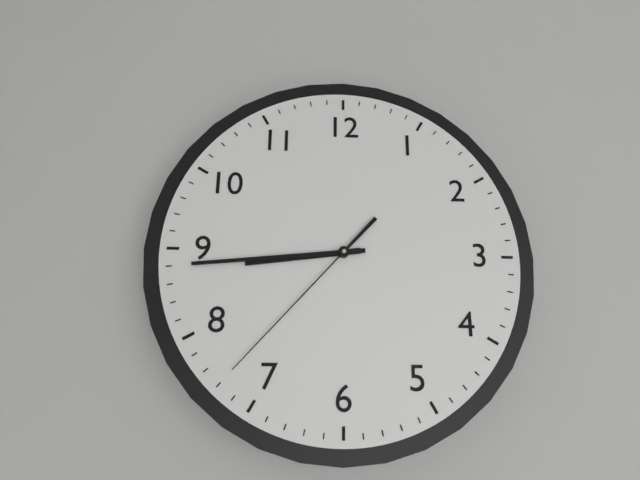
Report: {"hour": 8, "minute": 44, "second": 37}
